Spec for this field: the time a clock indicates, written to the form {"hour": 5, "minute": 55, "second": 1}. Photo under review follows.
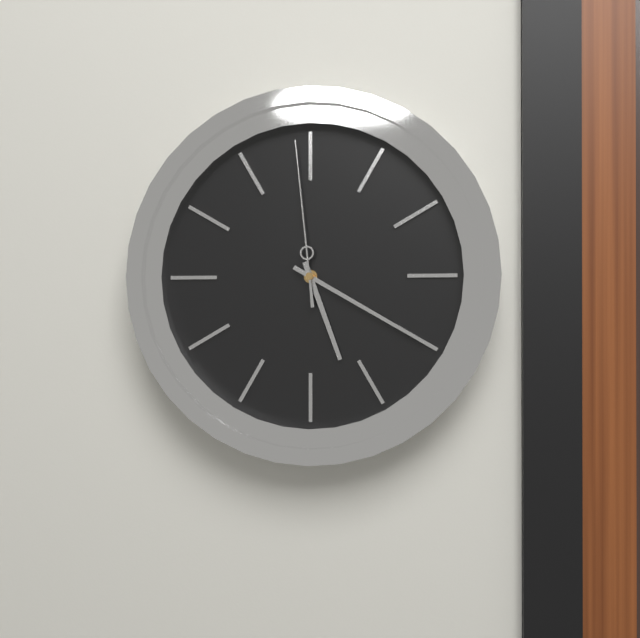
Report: {"hour": 5, "minute": 20, "second": 59}
